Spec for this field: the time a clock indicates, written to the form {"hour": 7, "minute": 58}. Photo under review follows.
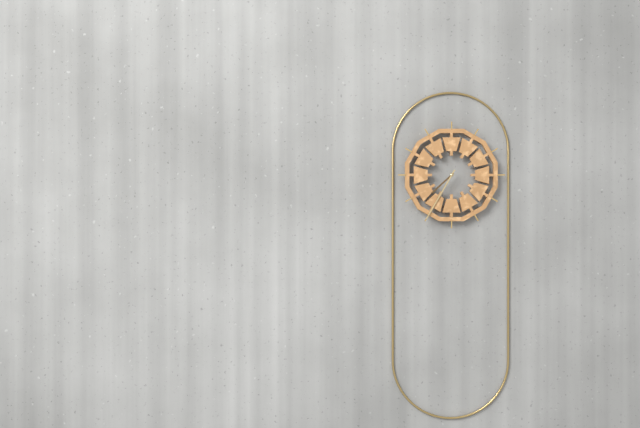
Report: {"hour": 7, "minute": 35}
